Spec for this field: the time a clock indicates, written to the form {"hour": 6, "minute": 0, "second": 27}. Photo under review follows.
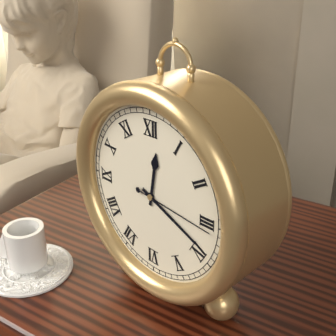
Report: {"hour": 12, "minute": 19, "second": 16}
